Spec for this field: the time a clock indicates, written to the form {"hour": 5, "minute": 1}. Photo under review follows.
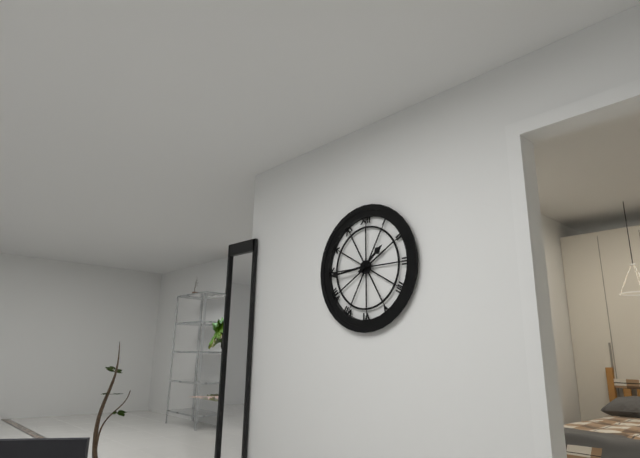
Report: {"hour": 1, "minute": 44}
